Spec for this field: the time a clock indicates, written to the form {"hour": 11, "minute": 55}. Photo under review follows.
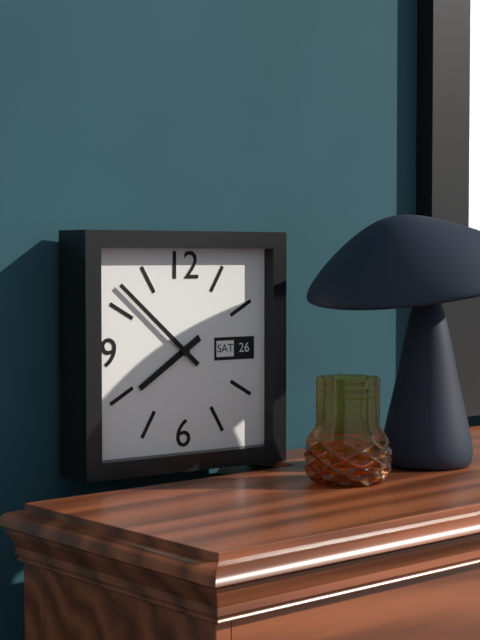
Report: {"hour": 7, "minute": 52}
